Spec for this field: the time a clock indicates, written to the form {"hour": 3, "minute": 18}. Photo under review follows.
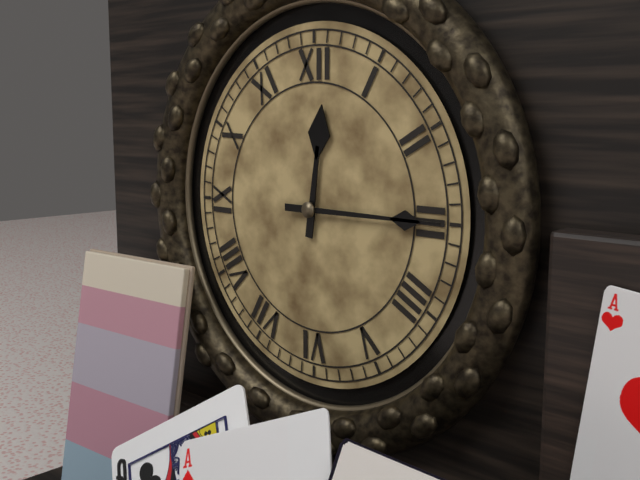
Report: {"hour": 12, "minute": 15}
